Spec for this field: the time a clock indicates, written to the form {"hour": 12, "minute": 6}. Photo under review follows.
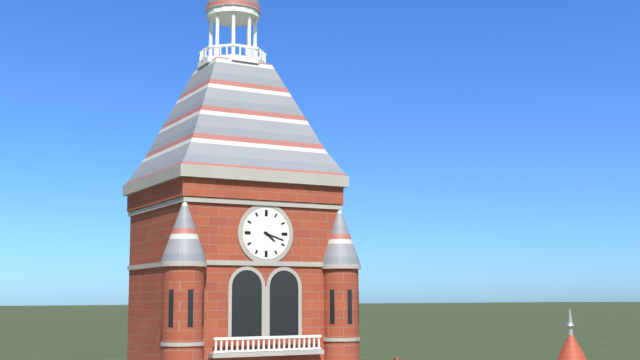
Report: {"hour": 4, "minute": 18}
